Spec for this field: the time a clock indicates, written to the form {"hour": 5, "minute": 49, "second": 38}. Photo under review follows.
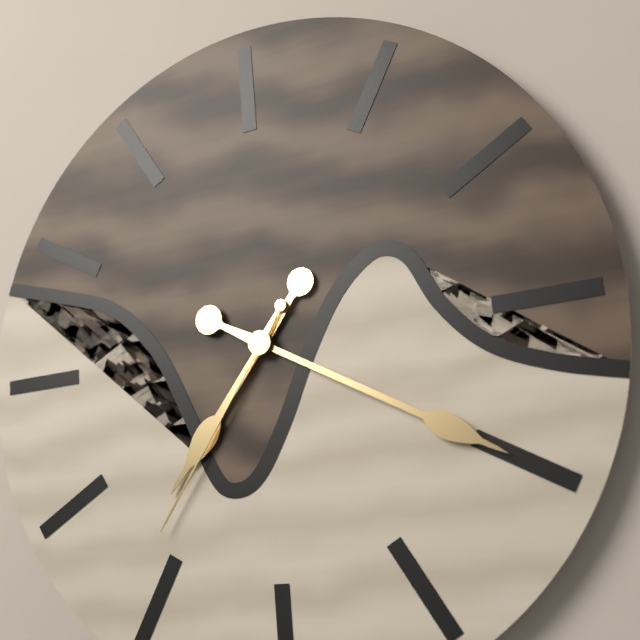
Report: {"hour": 7, "minute": 20, "second": 36}
